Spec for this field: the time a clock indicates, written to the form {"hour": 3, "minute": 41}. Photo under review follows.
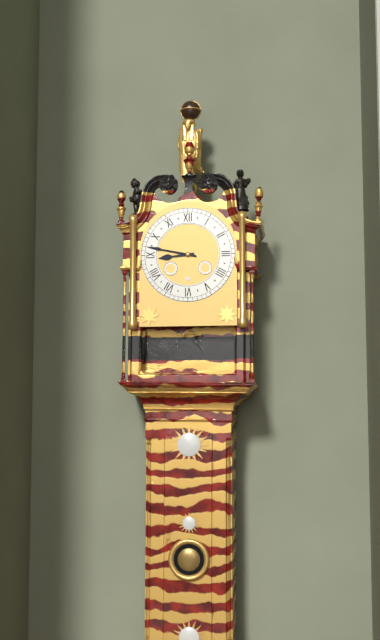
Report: {"hour": 8, "minute": 47}
